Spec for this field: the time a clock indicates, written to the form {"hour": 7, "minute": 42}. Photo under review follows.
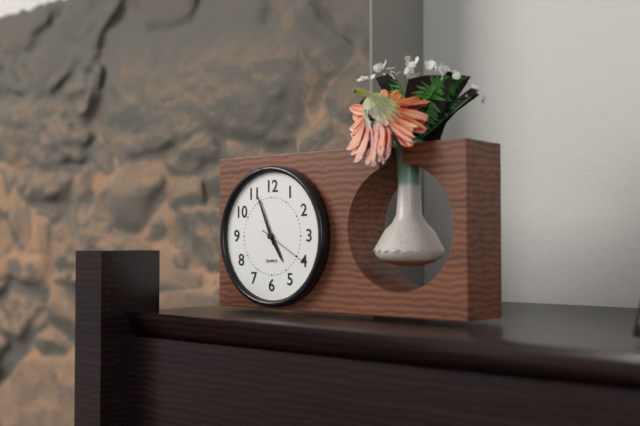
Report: {"hour": 4, "minute": 56}
